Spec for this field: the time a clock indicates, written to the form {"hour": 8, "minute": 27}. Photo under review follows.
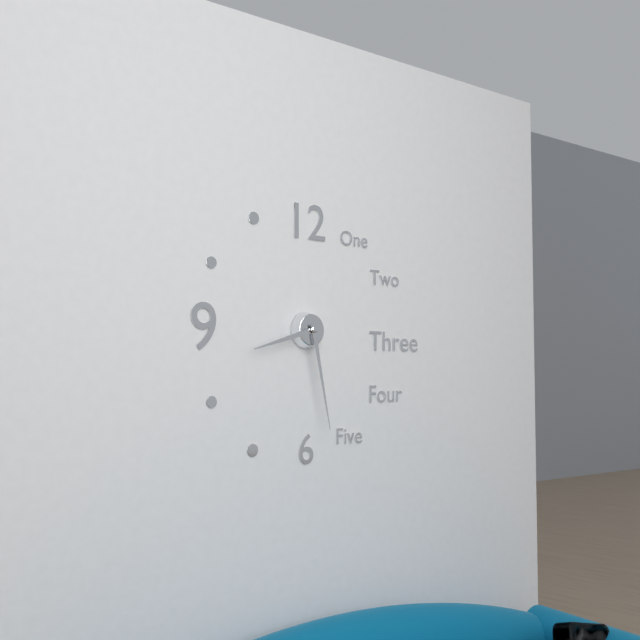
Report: {"hour": 8, "minute": 28}
